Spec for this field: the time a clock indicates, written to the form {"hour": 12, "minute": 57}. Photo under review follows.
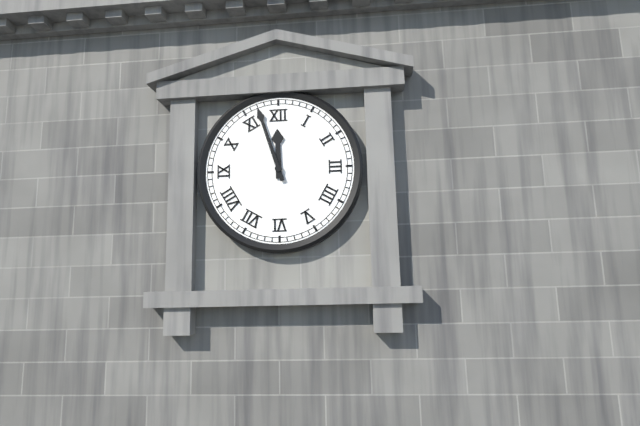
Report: {"hour": 11, "minute": 57}
